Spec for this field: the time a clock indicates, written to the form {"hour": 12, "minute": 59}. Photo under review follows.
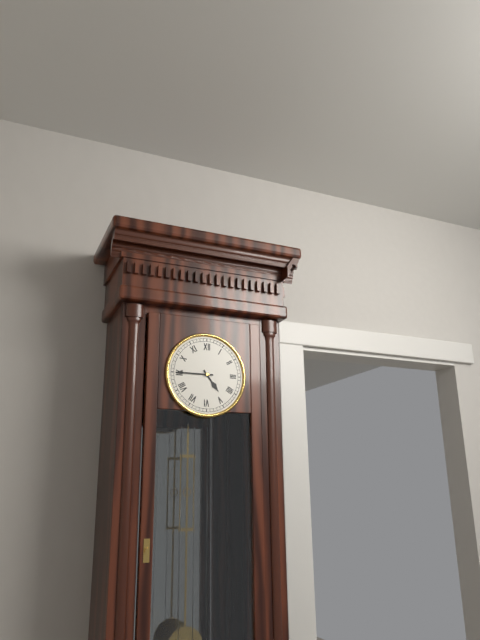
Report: {"hour": 4, "minute": 45}
